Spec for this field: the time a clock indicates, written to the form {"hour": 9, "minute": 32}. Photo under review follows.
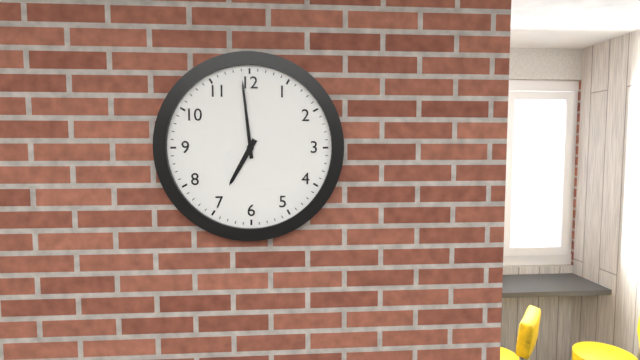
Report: {"hour": 6, "minute": 59}
